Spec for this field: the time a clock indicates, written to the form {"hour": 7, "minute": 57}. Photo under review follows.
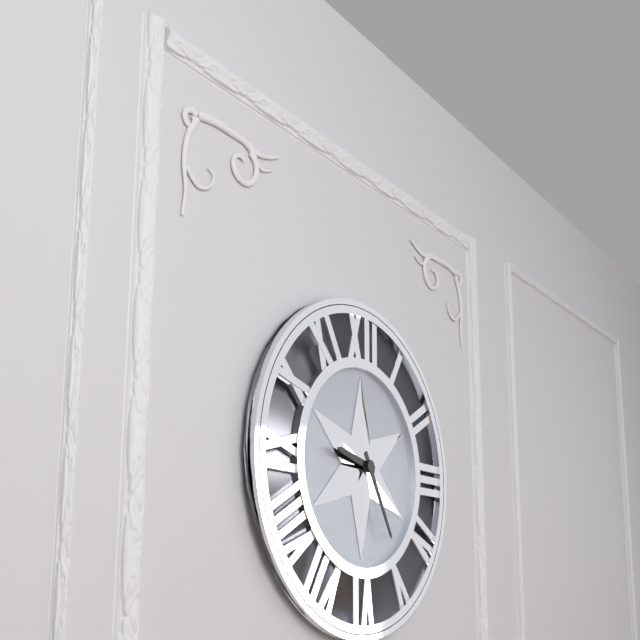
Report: {"hour": 9, "minute": 25}
